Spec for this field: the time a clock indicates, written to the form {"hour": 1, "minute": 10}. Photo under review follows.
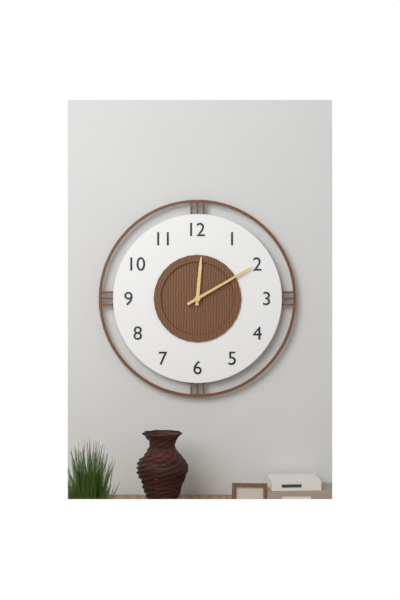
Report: {"hour": 12, "minute": 10}
